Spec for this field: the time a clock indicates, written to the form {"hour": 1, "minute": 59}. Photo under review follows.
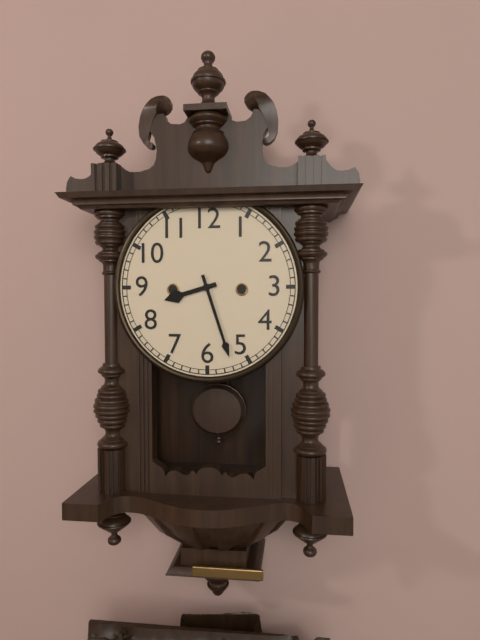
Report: {"hour": 8, "minute": 27}
